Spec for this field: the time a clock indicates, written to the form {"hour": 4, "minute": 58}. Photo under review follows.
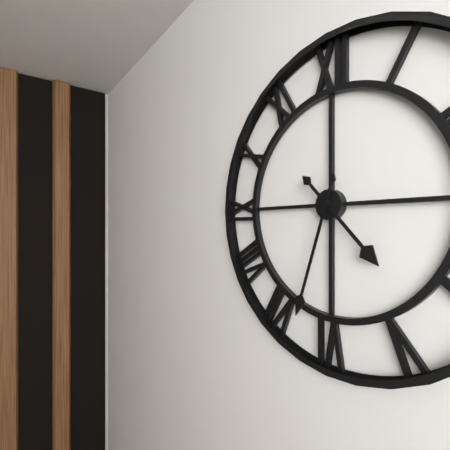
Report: {"hour": 4, "minute": 33}
